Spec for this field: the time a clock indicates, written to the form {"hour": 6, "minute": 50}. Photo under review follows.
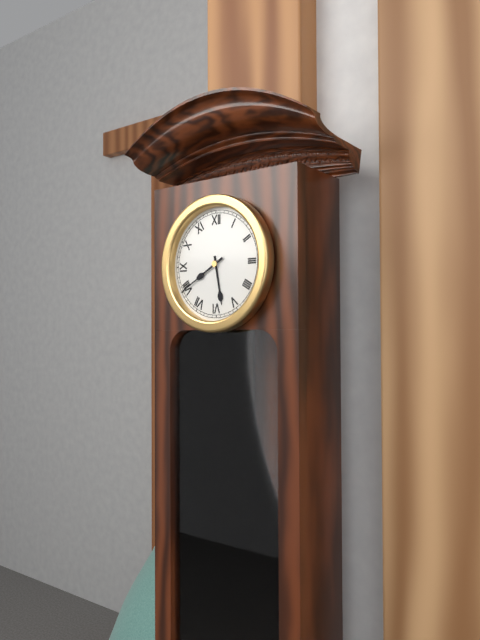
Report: {"hour": 5, "minute": 40}
